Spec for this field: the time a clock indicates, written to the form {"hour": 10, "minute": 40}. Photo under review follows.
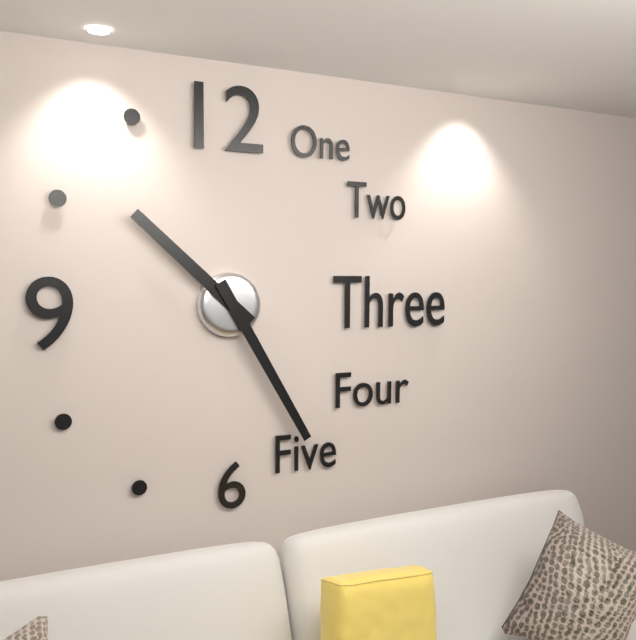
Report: {"hour": 10, "minute": 25}
